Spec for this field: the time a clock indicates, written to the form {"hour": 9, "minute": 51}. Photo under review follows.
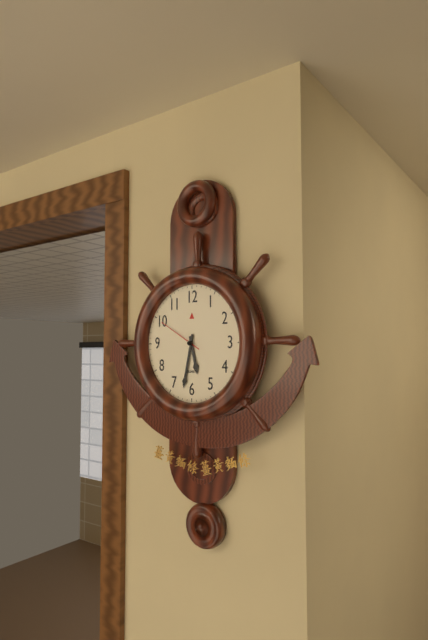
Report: {"hour": 5, "minute": 32}
